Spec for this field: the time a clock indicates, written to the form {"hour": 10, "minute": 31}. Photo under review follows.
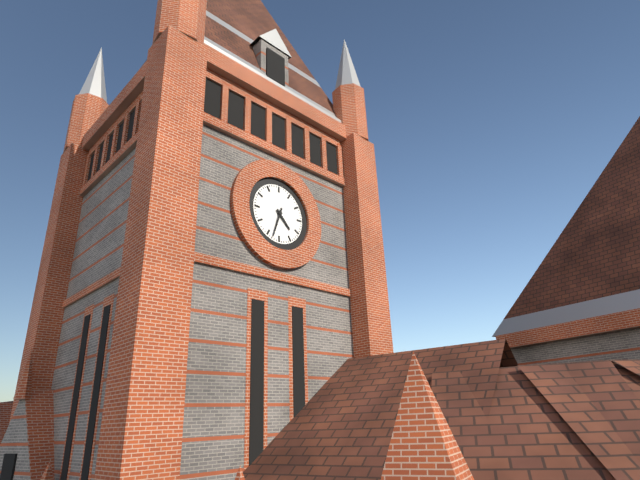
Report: {"hour": 4, "minute": 33}
